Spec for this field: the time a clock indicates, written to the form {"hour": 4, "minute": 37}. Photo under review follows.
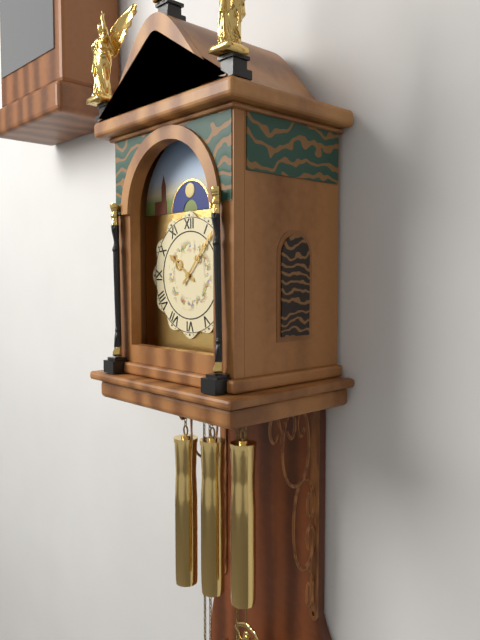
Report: {"hour": 10, "minute": 7}
